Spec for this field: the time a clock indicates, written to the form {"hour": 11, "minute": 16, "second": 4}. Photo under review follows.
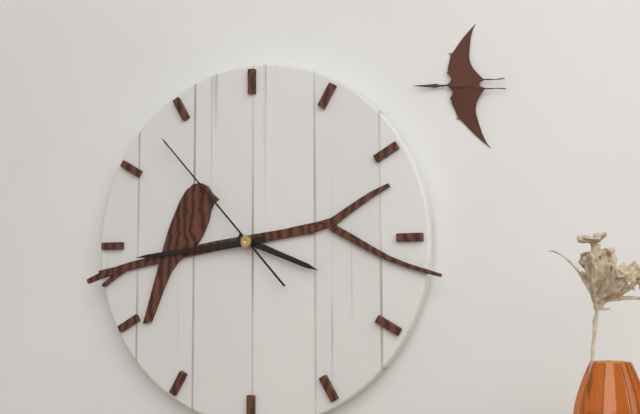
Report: {"hour": 3, "minute": 44, "second": 53}
